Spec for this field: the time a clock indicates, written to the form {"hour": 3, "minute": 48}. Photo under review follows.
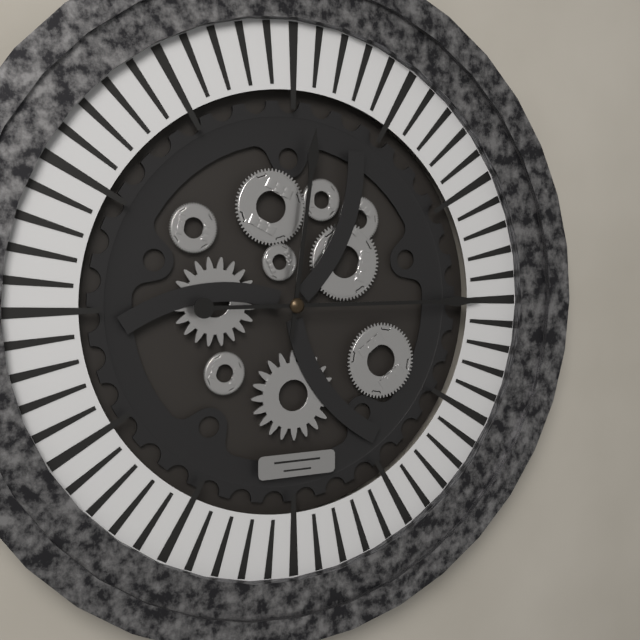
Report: {"hour": 12, "minute": 15}
